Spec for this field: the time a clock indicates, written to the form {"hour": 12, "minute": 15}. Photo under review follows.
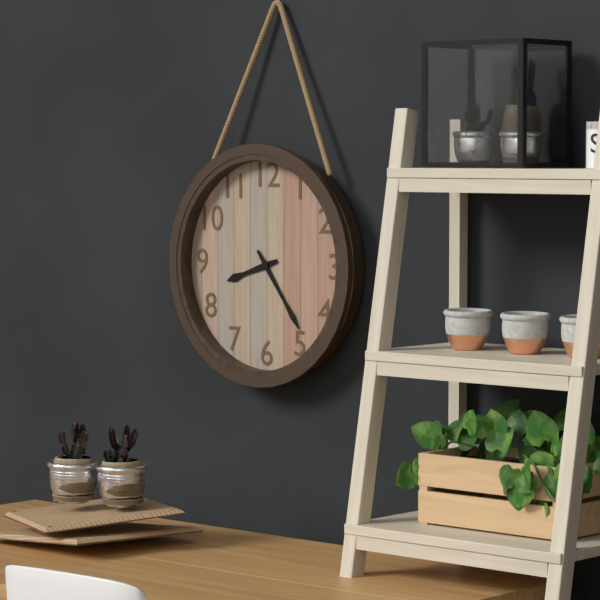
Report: {"hour": 8, "minute": 24}
